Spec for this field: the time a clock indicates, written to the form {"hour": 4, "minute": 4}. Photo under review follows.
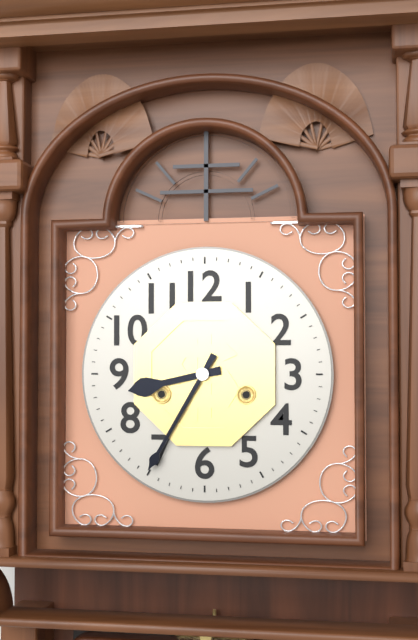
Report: {"hour": 8, "minute": 35}
